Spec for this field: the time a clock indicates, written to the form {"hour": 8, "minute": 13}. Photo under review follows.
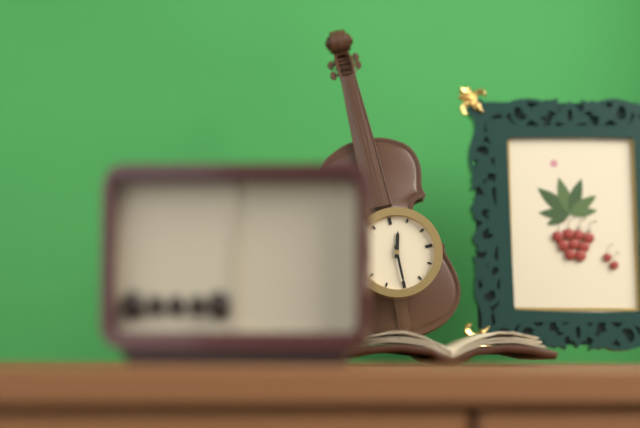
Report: {"hour": 12, "minute": 30}
